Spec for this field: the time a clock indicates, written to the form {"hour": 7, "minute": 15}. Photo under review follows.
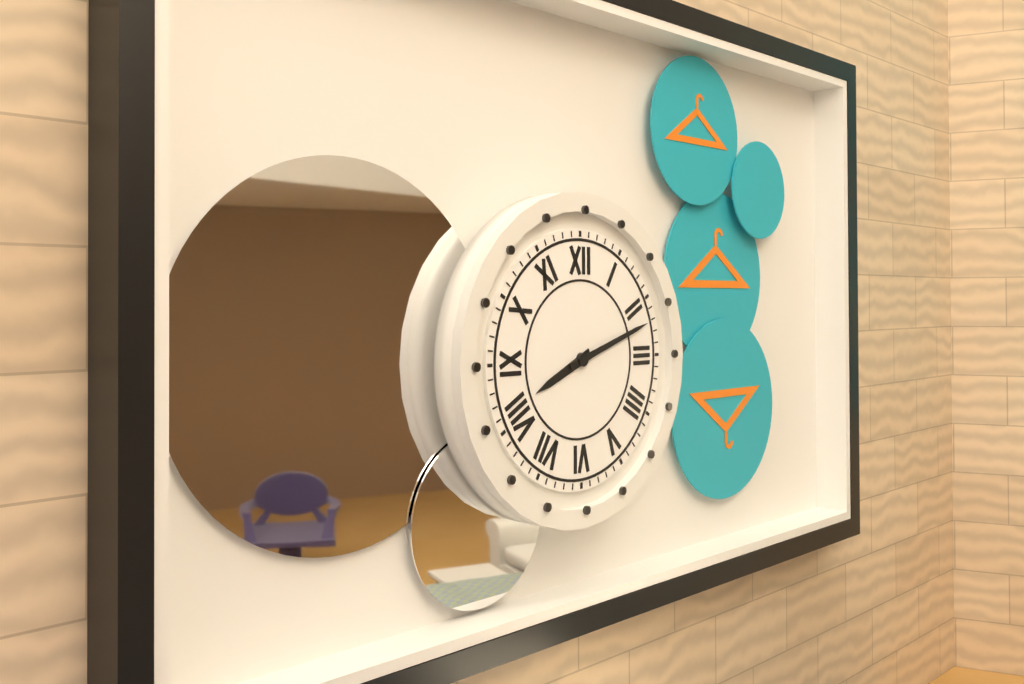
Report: {"hour": 8, "minute": 12}
